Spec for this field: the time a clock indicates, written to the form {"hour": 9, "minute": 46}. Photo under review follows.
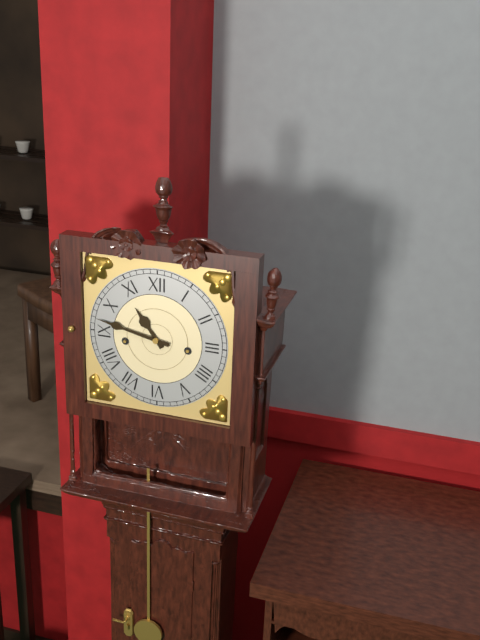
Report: {"hour": 10, "minute": 47}
